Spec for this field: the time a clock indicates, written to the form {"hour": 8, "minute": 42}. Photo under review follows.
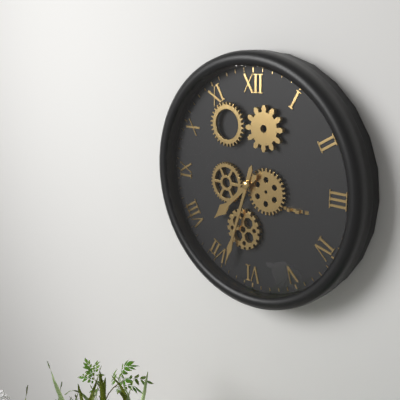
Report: {"hour": 7, "minute": 33}
